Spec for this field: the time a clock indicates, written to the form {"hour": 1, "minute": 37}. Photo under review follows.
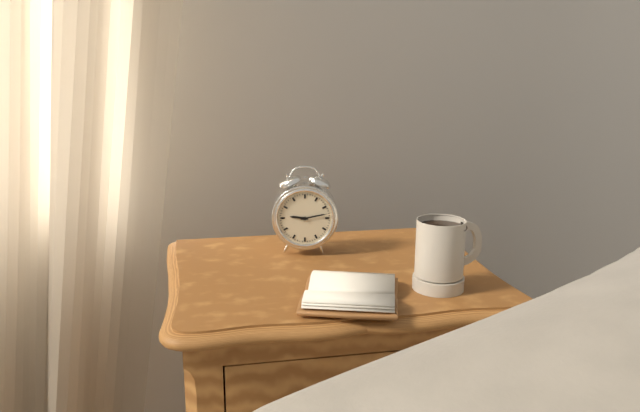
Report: {"hour": 9, "minute": 13}
